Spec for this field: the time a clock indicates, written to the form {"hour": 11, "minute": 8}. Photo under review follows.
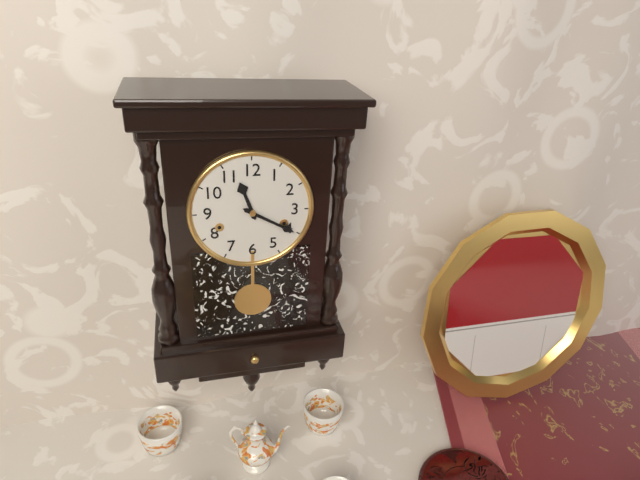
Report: {"hour": 11, "minute": 20}
